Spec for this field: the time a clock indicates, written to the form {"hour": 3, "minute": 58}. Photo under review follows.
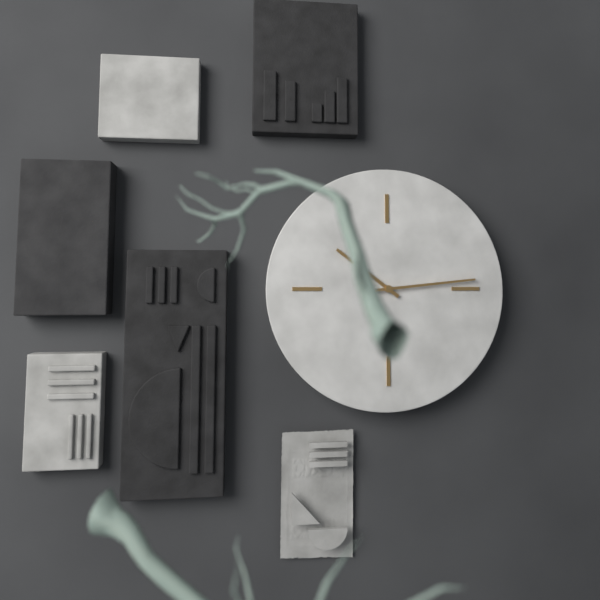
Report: {"hour": 10, "minute": 14}
